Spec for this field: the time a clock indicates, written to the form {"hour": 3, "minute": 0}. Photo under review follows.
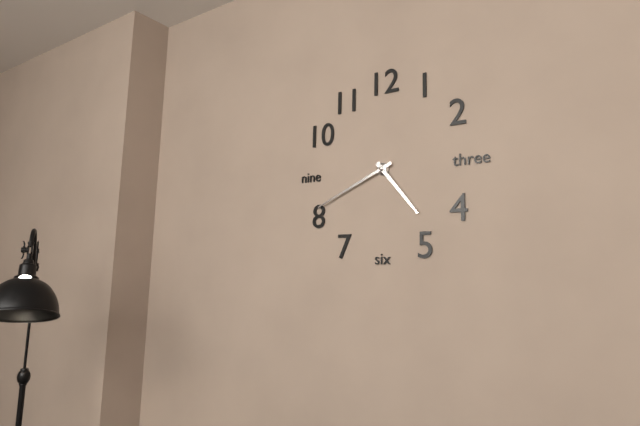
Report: {"hour": 4, "minute": 41}
